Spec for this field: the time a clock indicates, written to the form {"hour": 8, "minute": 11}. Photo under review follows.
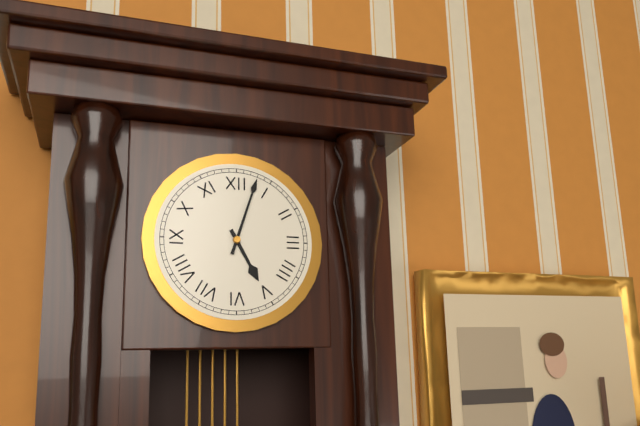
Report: {"hour": 5, "minute": 3}
